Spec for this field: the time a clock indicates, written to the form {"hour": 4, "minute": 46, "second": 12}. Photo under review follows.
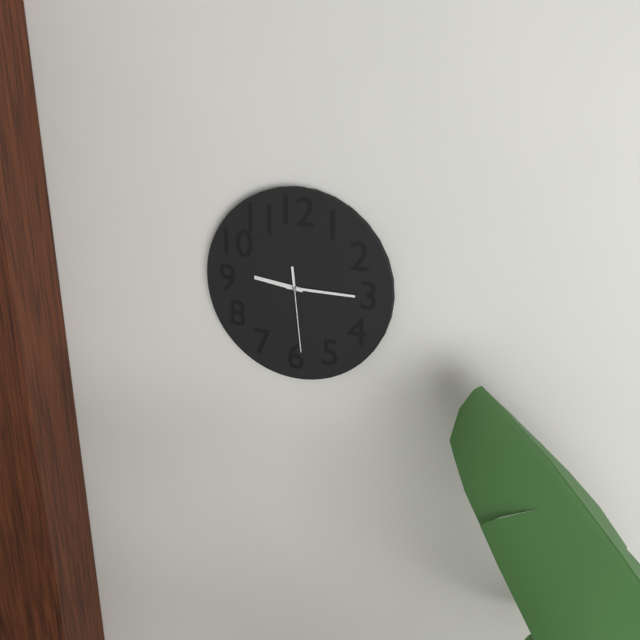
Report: {"hour": 9, "minute": 15, "second": 29}
